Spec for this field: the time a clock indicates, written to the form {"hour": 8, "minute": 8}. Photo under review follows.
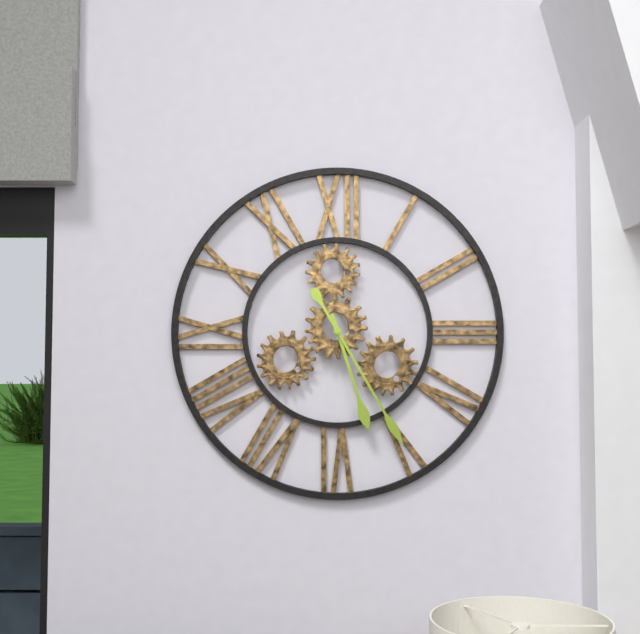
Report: {"hour": 5, "minute": 25}
